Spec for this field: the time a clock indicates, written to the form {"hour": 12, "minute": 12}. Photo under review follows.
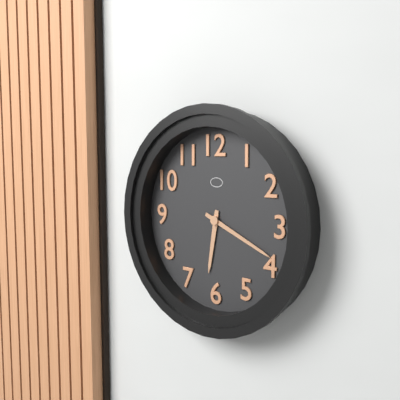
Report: {"hour": 6, "minute": 19}
